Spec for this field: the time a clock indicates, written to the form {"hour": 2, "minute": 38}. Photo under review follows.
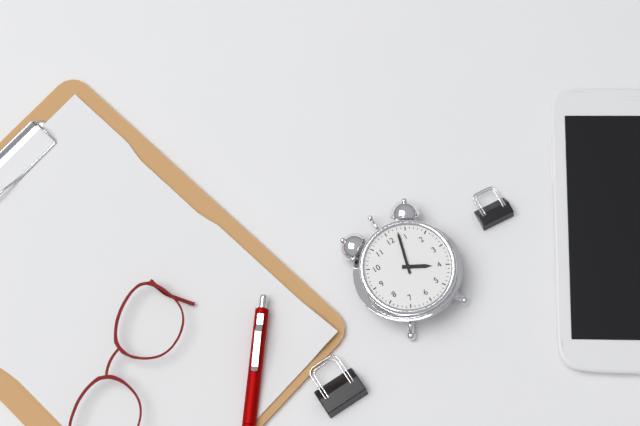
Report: {"hour": 4, "minute": 3}
